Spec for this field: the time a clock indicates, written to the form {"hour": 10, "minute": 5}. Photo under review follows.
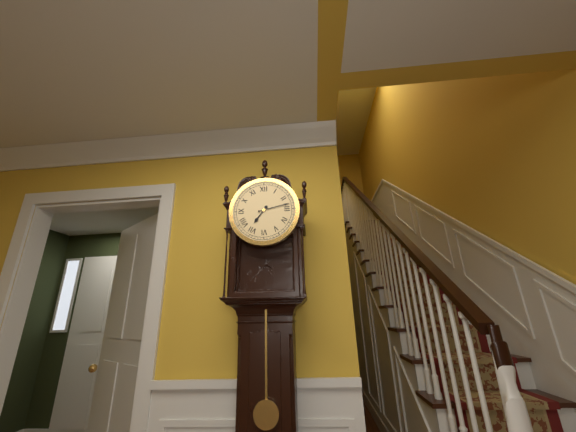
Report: {"hour": 7, "minute": 13}
